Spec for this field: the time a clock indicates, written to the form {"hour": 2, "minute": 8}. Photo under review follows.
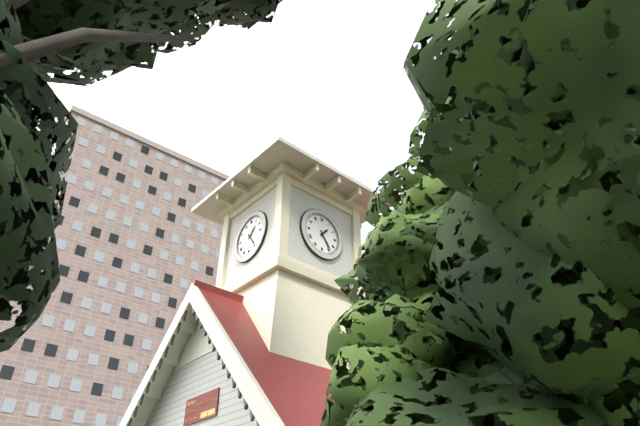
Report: {"hour": 1, "minute": 24}
